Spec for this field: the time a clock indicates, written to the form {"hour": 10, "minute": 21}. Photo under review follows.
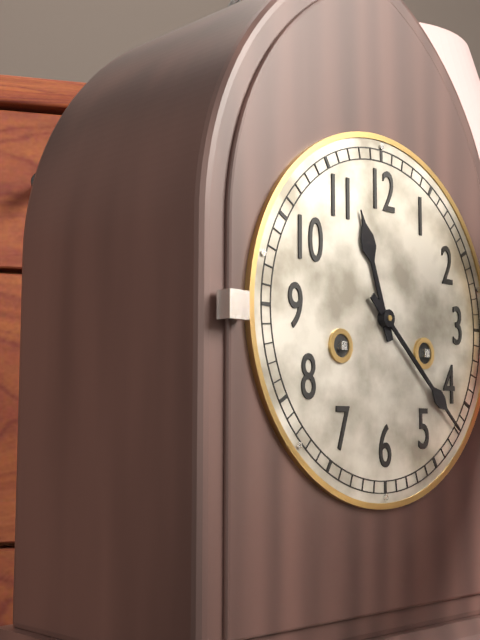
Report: {"hour": 11, "minute": 22}
